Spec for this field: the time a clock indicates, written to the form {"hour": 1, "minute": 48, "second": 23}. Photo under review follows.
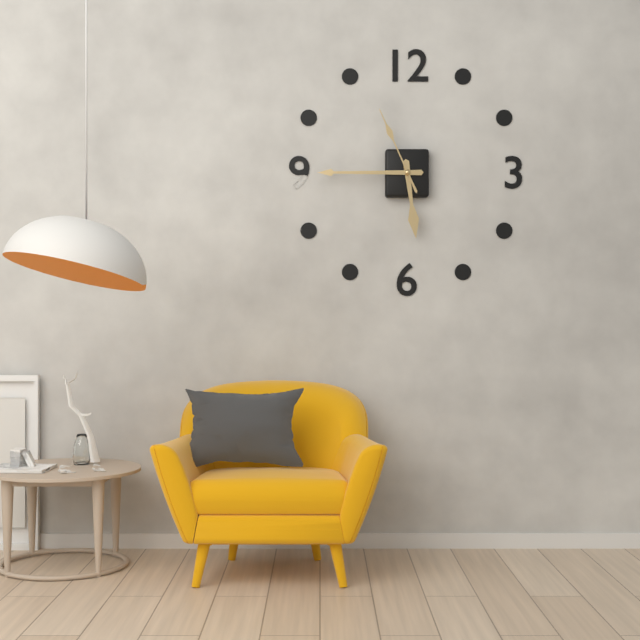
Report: {"hour": 5, "minute": 45, "second": 56}
